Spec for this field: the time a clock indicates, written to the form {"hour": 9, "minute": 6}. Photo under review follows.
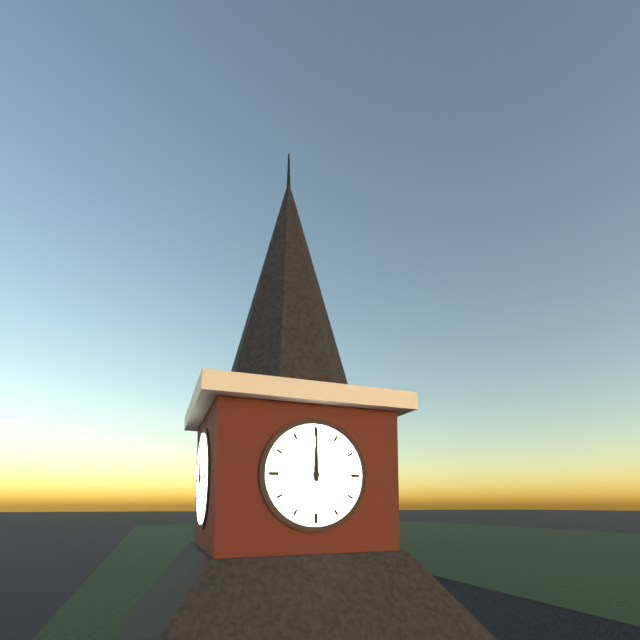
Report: {"hour": 12, "minute": 0}
